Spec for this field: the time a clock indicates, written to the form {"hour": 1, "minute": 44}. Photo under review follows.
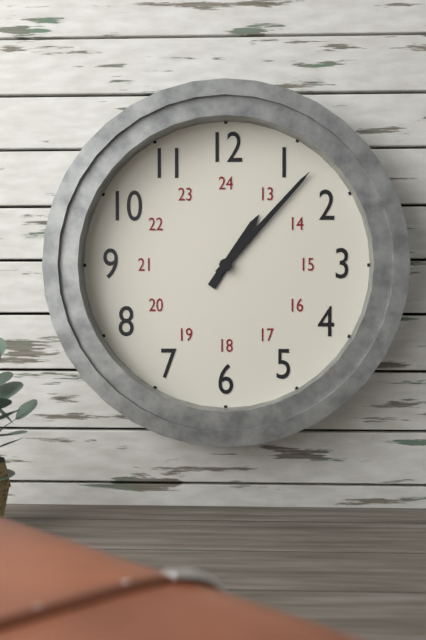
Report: {"hour": 1, "minute": 7}
